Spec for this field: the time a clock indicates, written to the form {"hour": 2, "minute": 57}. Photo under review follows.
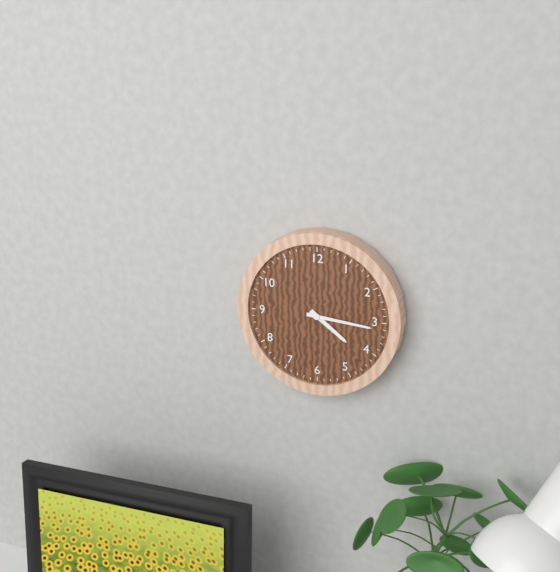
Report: {"hour": 4, "minute": 16}
